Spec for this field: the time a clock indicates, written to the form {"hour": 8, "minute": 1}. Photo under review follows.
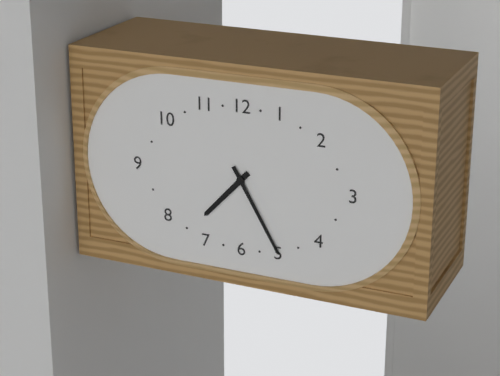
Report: {"hour": 7, "minute": 25}
